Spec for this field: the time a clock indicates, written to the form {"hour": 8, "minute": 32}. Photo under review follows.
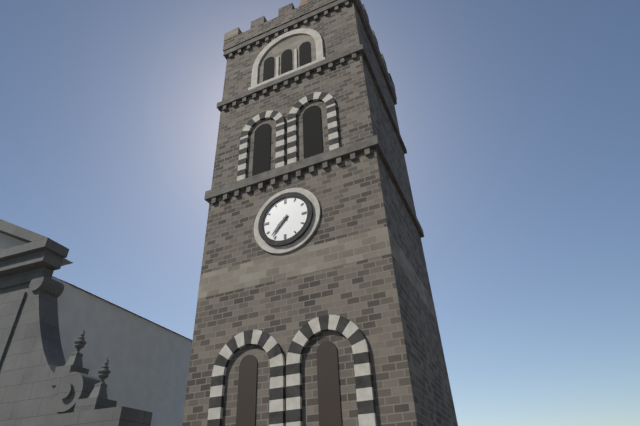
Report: {"hour": 7, "minute": 37}
